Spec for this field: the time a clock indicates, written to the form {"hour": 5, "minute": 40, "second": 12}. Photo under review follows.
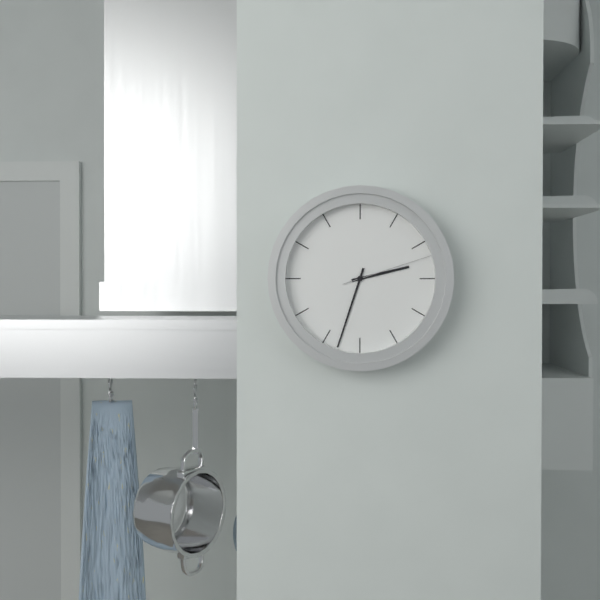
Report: {"hour": 2, "minute": 33, "second": 12}
